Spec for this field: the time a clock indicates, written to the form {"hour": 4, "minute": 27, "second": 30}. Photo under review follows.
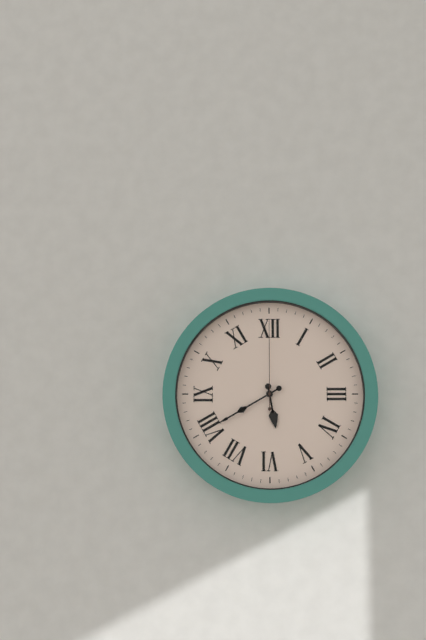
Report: {"hour": 5, "minute": 40, "second": 0}
